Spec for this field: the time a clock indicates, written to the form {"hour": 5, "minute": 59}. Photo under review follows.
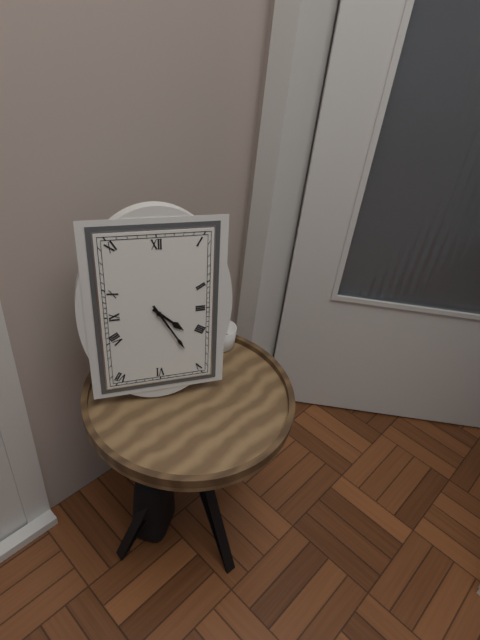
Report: {"hour": 4, "minute": 25}
